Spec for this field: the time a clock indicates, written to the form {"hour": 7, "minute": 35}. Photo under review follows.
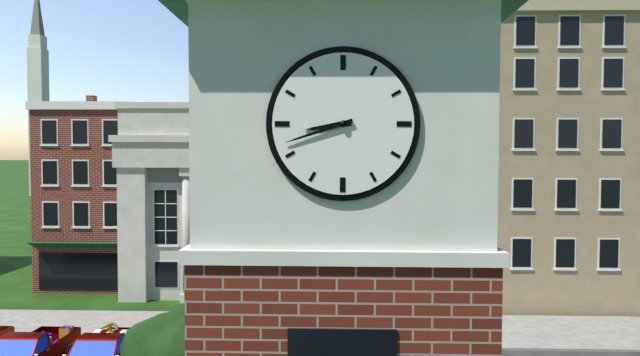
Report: {"hour": 8, "minute": 42}
